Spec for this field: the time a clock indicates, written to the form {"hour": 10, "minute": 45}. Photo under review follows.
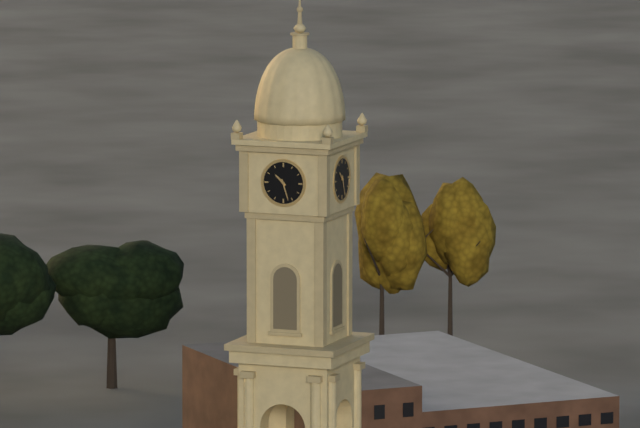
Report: {"hour": 10, "minute": 27}
